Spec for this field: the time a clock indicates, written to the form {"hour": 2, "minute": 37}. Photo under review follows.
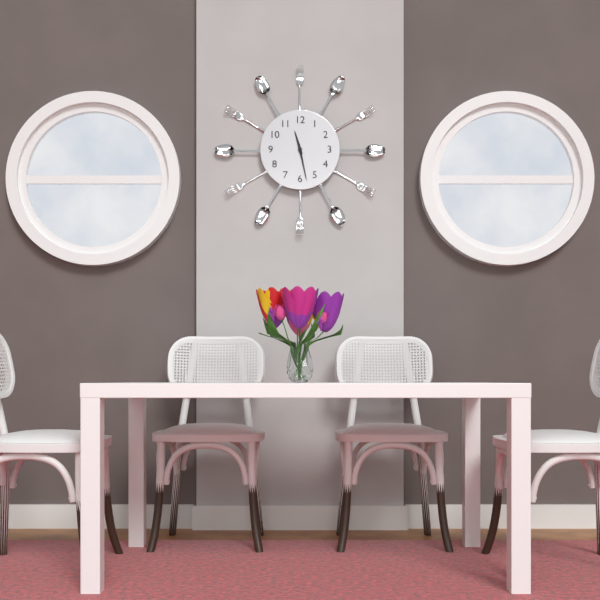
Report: {"hour": 11, "minute": 28}
